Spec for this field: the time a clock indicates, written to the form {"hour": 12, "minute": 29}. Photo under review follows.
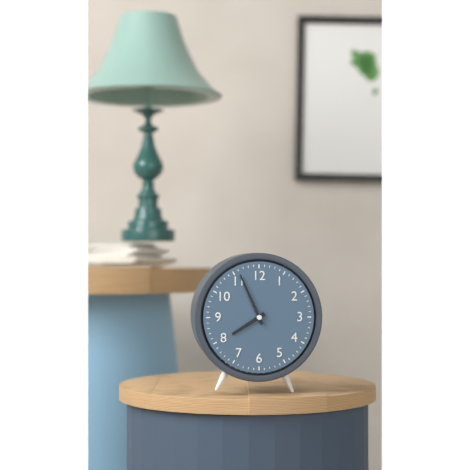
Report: {"hour": 7, "minute": 56}
